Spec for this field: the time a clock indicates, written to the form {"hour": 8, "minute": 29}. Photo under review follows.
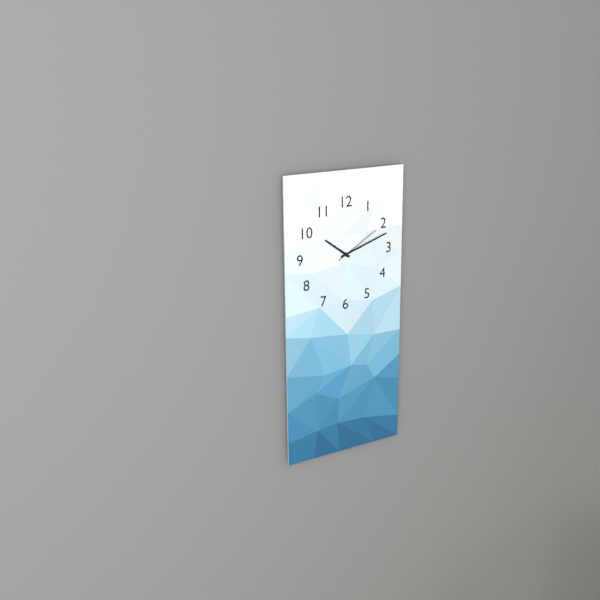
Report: {"hour": 10, "minute": 12}
